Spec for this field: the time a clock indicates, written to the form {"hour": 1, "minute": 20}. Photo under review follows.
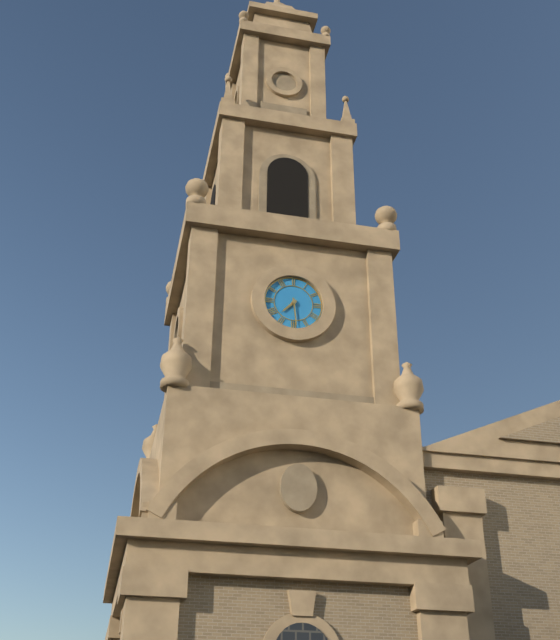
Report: {"hour": 7, "minute": 29}
